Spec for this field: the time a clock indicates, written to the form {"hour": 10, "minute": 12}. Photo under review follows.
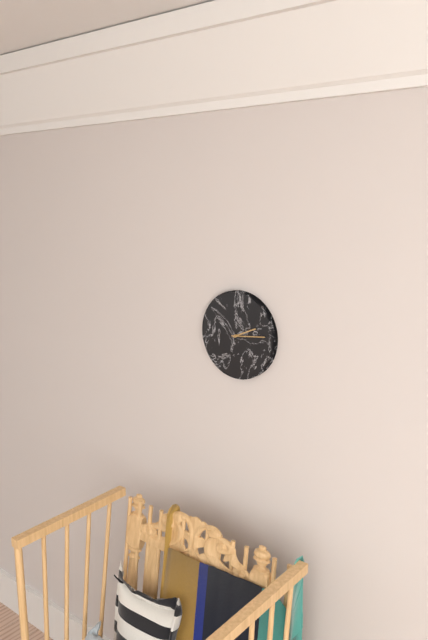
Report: {"hour": 2, "minute": 14}
